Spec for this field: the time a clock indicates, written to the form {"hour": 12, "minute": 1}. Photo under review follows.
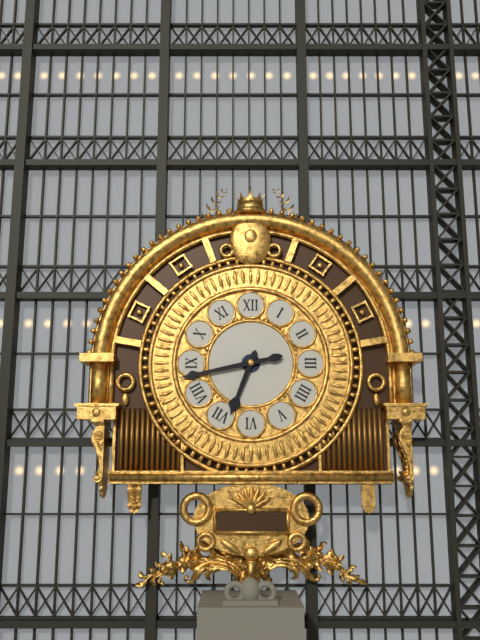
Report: {"hour": 6, "minute": 43}
